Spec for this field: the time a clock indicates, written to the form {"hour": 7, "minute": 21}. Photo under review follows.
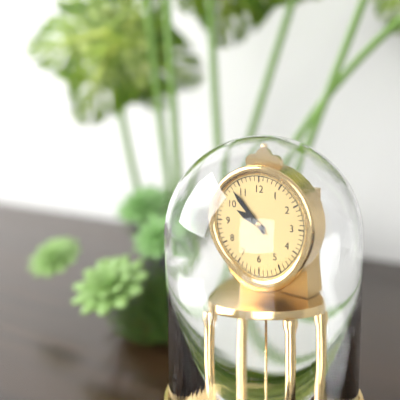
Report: {"hour": 9, "minute": 53}
